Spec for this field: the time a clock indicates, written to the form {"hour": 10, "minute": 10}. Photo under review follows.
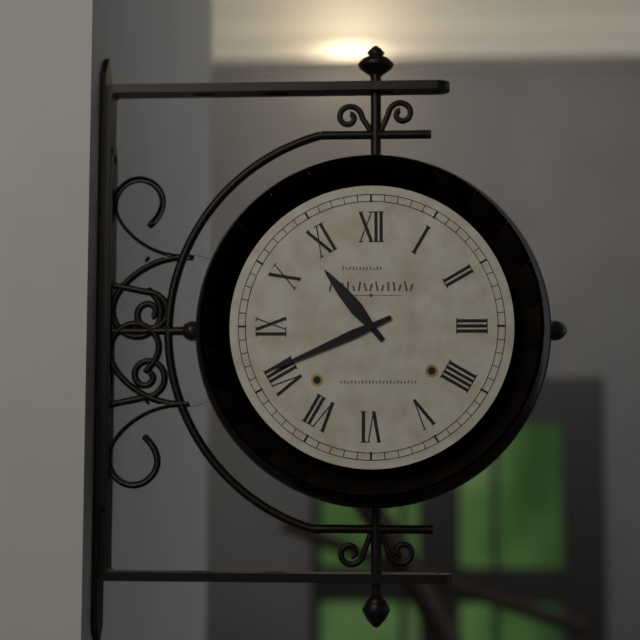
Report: {"hour": 10, "minute": 41}
